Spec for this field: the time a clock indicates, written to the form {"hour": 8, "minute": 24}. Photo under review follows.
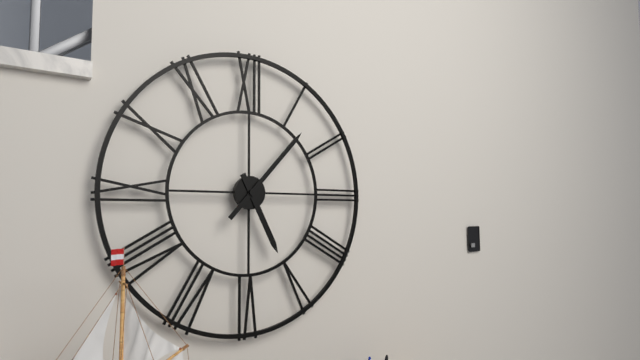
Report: {"hour": 5, "minute": 7}
